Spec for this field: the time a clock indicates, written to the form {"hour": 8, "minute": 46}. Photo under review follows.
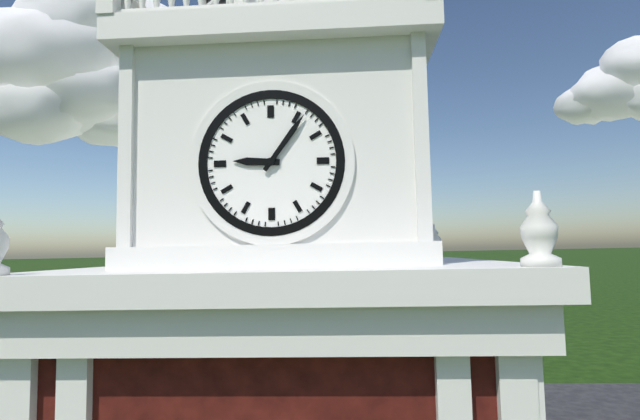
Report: {"hour": 9, "minute": 6}
